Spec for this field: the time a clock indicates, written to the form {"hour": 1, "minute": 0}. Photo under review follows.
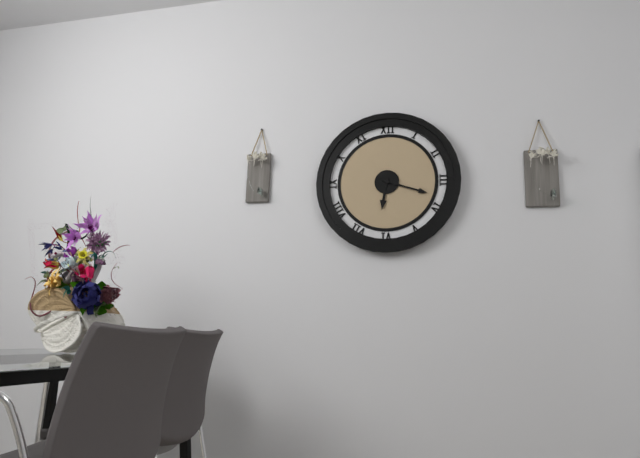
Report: {"hour": 6, "minute": 18}
